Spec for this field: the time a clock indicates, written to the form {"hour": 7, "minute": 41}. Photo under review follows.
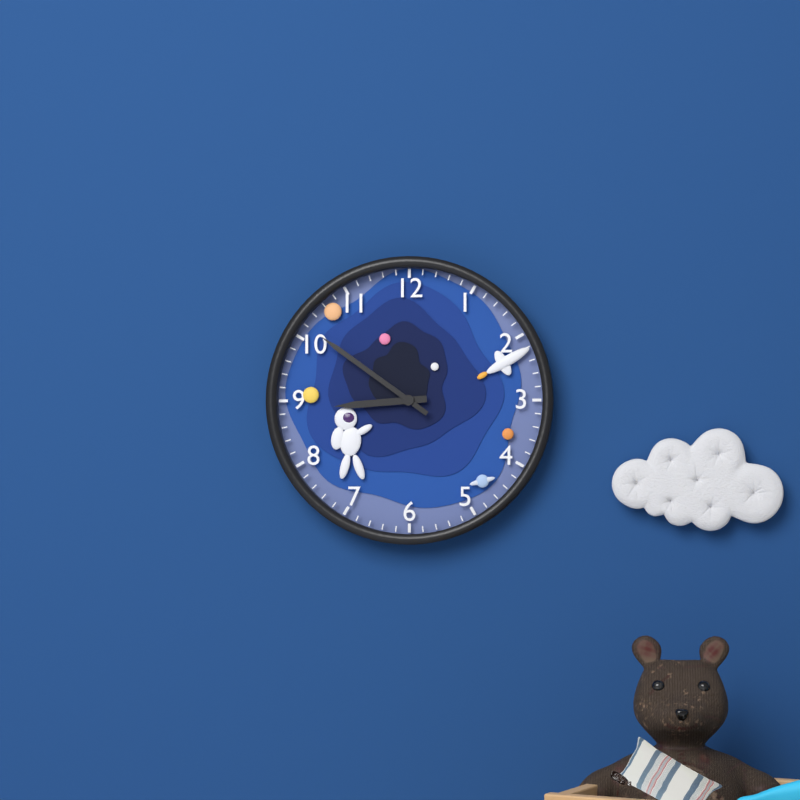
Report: {"hour": 8, "minute": 51}
